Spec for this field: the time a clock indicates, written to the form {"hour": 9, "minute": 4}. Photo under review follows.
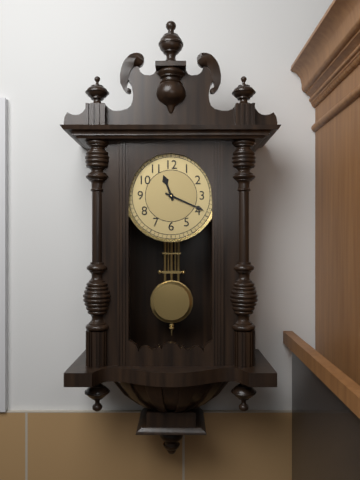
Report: {"hour": 11, "minute": 19}
